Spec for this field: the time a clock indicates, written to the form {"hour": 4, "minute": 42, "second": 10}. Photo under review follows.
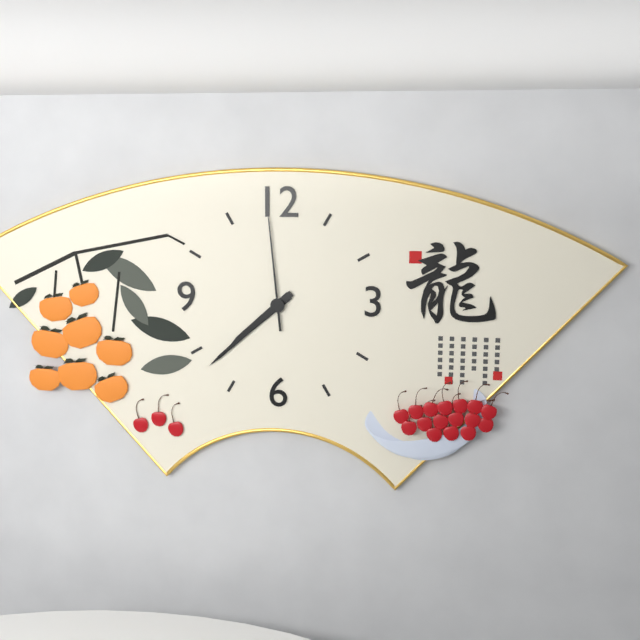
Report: {"hour": 7, "minute": 38, "second": 59}
